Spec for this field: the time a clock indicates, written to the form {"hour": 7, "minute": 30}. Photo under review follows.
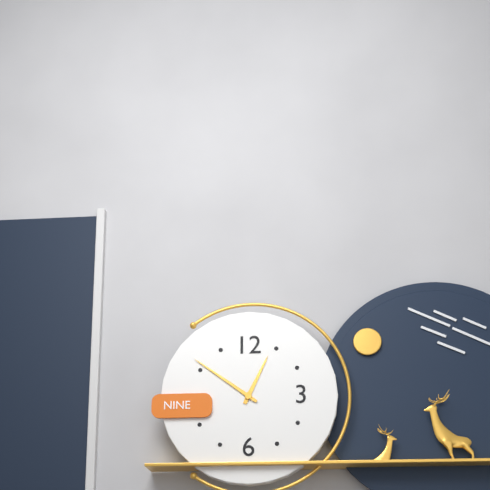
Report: {"hour": 12, "minute": 51}
